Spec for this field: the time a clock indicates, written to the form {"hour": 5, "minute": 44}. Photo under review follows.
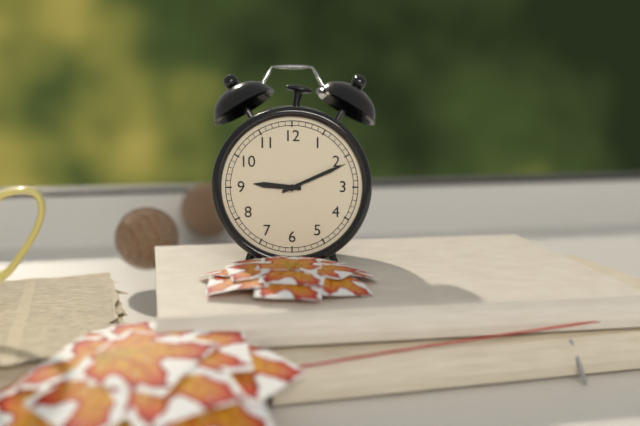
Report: {"hour": 9, "minute": 11}
